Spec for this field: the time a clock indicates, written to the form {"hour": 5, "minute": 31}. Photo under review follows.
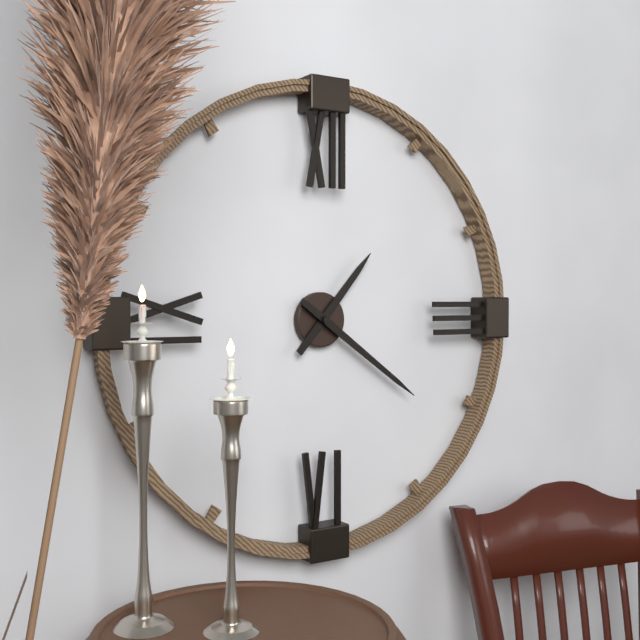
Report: {"hour": 1, "minute": 21}
